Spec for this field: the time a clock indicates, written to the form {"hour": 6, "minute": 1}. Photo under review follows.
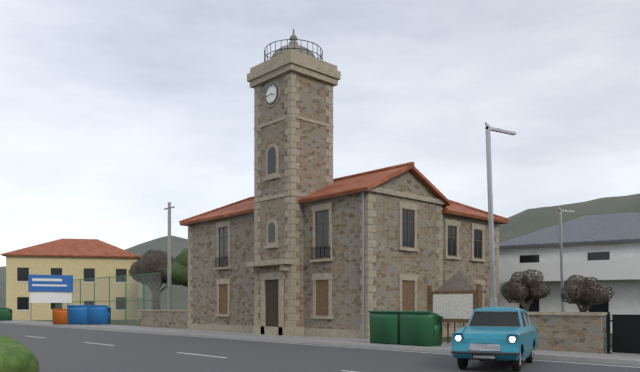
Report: {"hour": 3, "minute": 43}
